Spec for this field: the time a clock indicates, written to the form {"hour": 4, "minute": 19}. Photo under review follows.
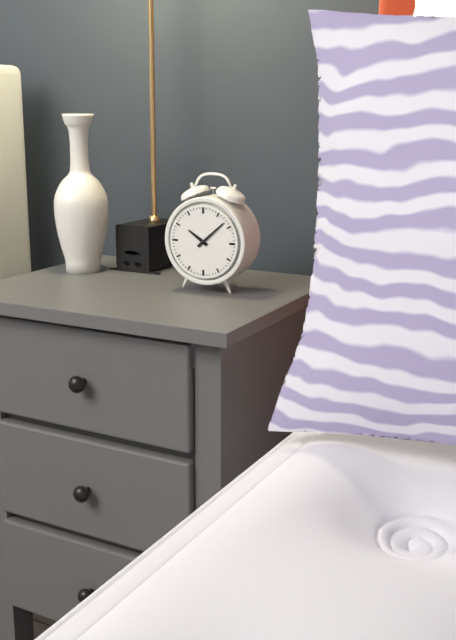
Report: {"hour": 10, "minute": 8}
